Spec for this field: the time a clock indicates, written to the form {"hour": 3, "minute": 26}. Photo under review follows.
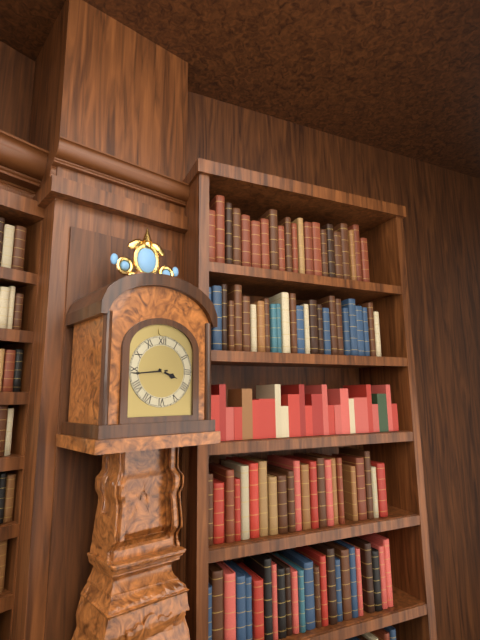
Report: {"hour": 3, "minute": 44}
